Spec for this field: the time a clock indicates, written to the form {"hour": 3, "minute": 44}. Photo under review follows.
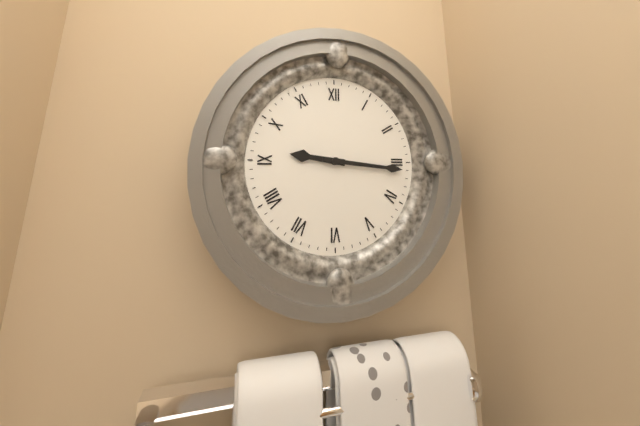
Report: {"hour": 9, "minute": 16}
